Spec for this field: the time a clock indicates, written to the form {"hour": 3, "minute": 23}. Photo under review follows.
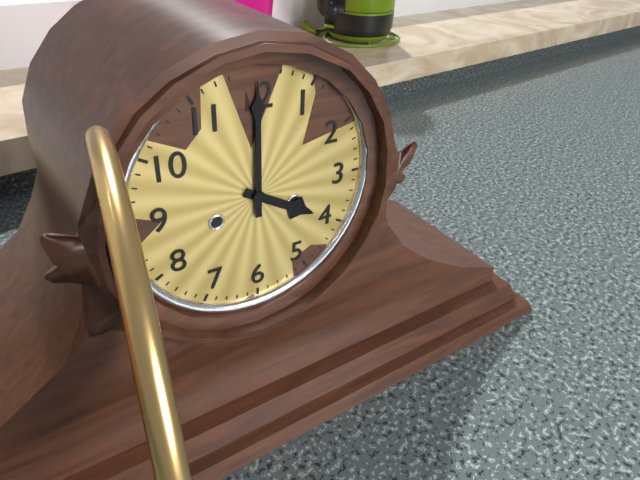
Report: {"hour": 4, "minute": 0}
